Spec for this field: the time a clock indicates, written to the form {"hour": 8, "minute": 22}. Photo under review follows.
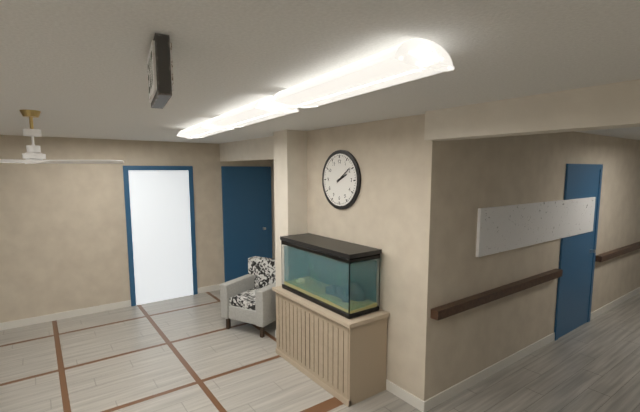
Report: {"hour": 2, "minute": 9}
